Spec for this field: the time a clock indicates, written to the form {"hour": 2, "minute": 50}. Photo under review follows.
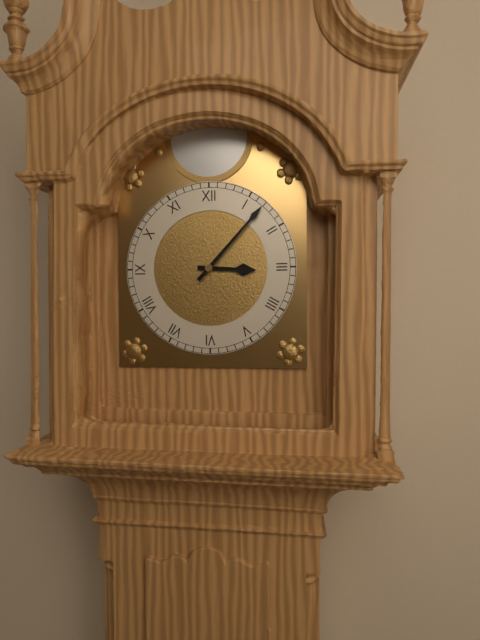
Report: {"hour": 3, "minute": 7}
